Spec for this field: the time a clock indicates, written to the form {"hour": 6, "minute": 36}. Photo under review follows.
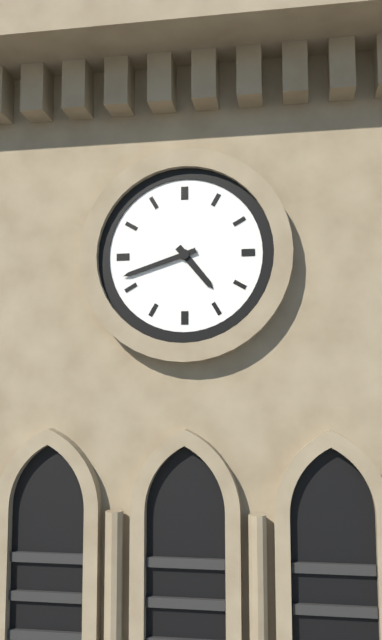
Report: {"hour": 4, "minute": 42}
